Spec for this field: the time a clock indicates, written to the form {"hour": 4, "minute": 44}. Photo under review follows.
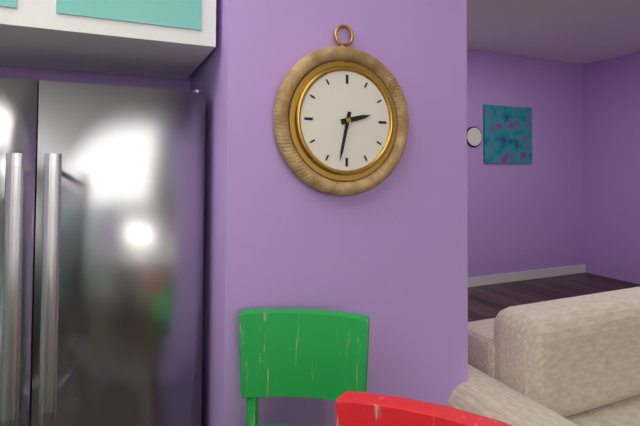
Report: {"hour": 2, "minute": 32}
